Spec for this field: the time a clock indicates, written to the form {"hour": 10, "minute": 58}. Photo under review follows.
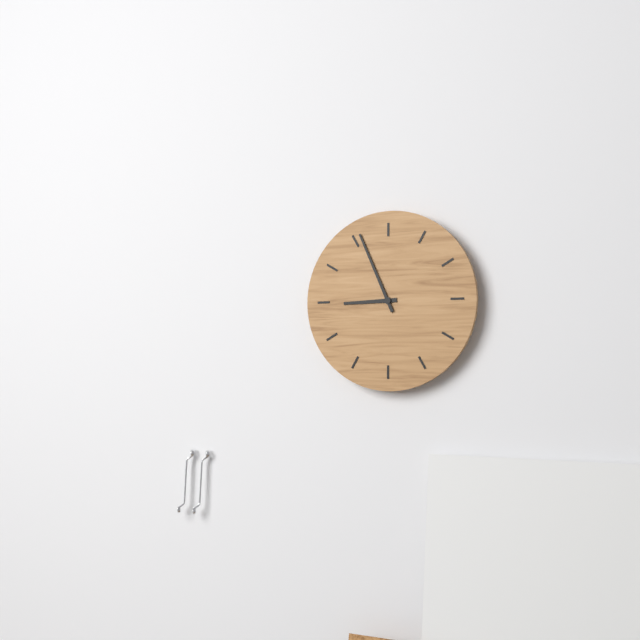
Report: {"hour": 8, "minute": 56}
